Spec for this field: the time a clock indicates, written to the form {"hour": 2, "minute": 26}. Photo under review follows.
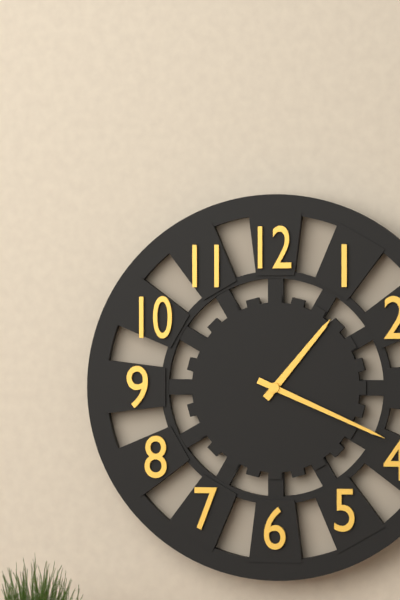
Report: {"hour": 1, "minute": 19}
